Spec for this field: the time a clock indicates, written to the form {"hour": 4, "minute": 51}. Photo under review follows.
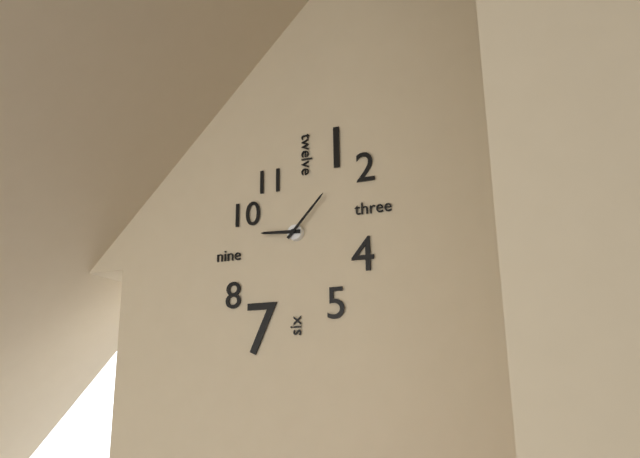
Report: {"hour": 9, "minute": 7}
